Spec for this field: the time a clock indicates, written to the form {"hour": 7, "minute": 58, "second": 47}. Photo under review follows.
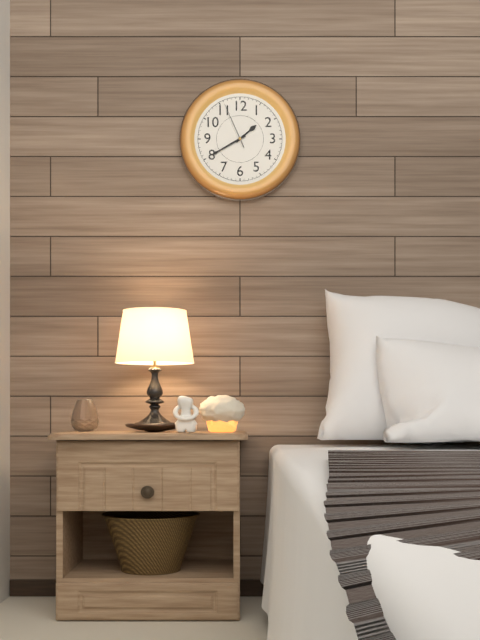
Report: {"hour": 1, "minute": 40, "second": 56}
